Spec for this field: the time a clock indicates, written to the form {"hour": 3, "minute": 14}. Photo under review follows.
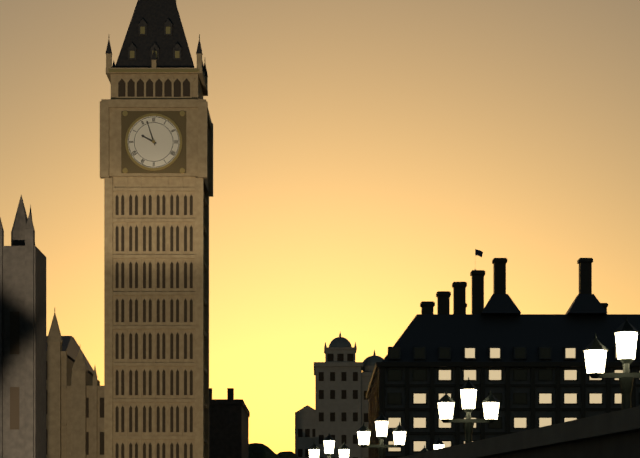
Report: {"hour": 9, "minute": 57}
